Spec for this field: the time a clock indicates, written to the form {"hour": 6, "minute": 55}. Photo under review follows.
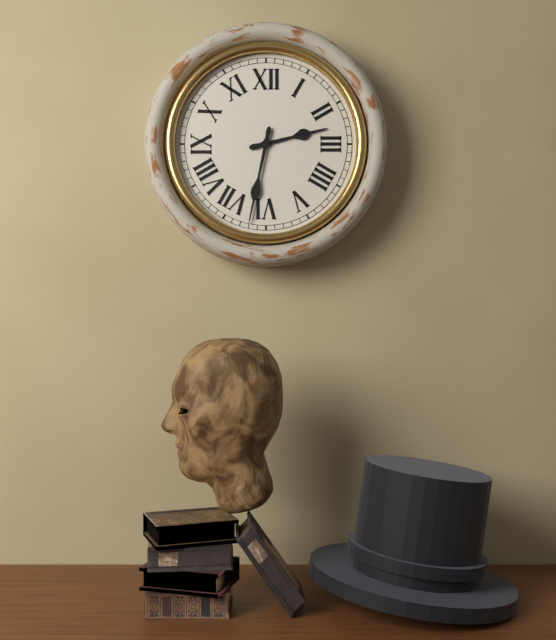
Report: {"hour": 2, "minute": 32}
